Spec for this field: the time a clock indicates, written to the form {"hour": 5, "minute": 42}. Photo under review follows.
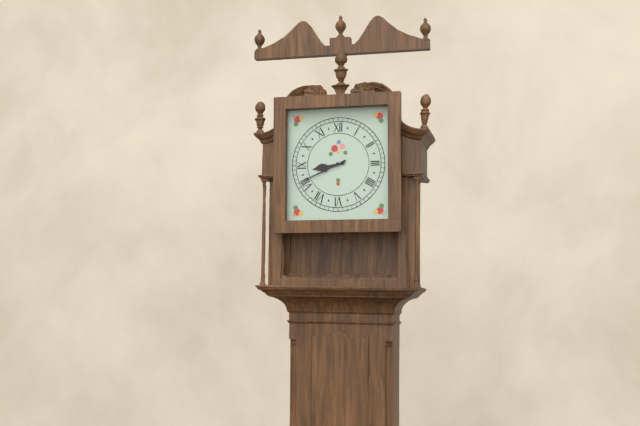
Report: {"hour": 8, "minute": 41}
